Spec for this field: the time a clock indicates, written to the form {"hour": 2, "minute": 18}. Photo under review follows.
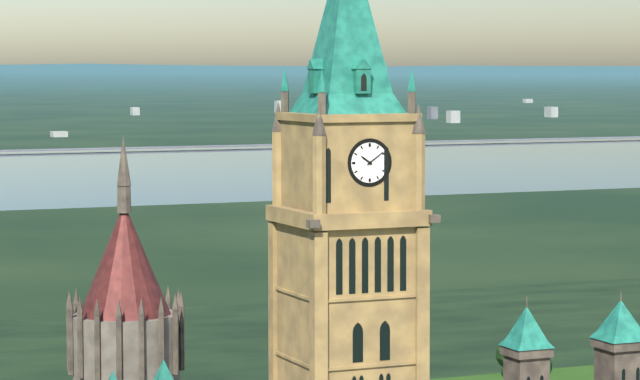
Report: {"hour": 10, "minute": 9}
